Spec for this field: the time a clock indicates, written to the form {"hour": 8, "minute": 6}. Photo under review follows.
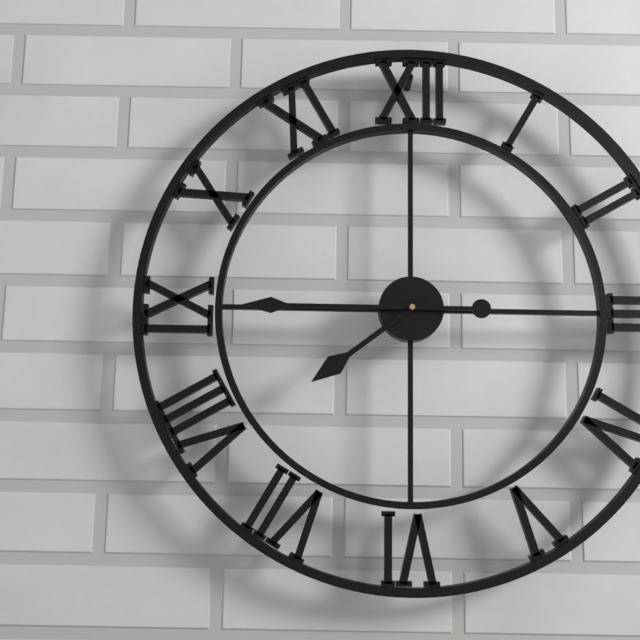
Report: {"hour": 7, "minute": 45}
